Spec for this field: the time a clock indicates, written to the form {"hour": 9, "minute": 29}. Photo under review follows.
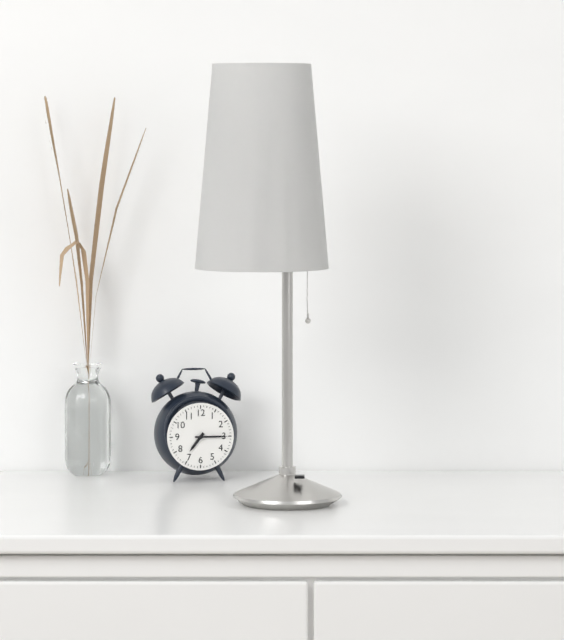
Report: {"hour": 7, "minute": 15}
